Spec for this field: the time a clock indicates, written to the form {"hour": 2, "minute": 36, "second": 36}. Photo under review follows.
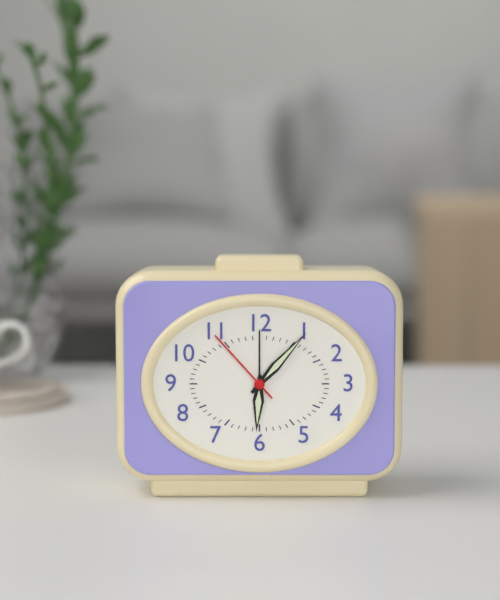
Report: {"hour": 6, "minute": 7, "second": 53}
